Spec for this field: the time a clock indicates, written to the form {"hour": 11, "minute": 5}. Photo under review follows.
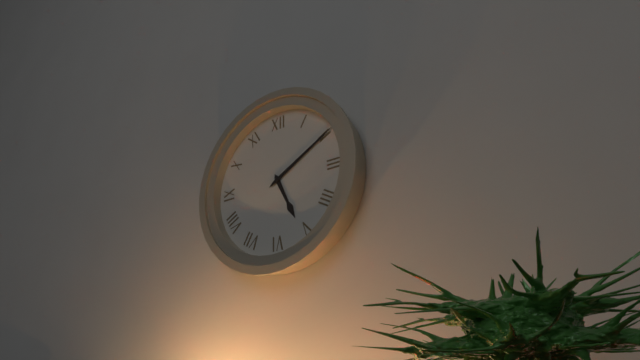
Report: {"hour": 5, "minute": 10}
